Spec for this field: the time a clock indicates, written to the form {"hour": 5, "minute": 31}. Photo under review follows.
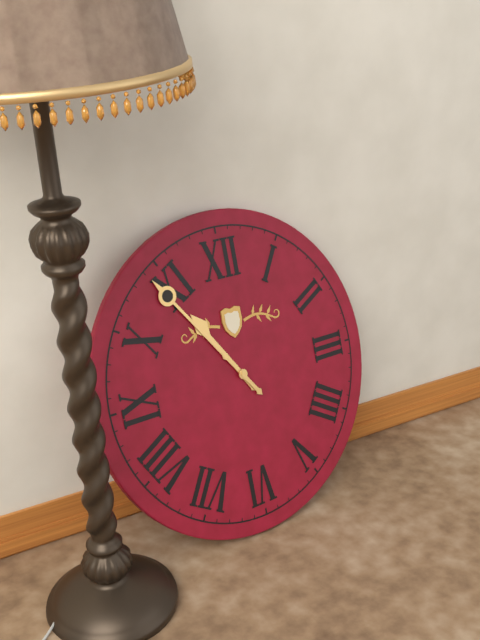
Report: {"hour": 10, "minute": 54}
